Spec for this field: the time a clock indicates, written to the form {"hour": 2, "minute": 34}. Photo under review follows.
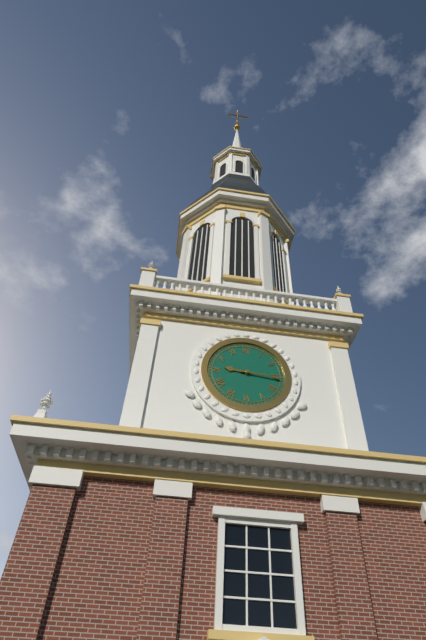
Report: {"hour": 9, "minute": 16}
